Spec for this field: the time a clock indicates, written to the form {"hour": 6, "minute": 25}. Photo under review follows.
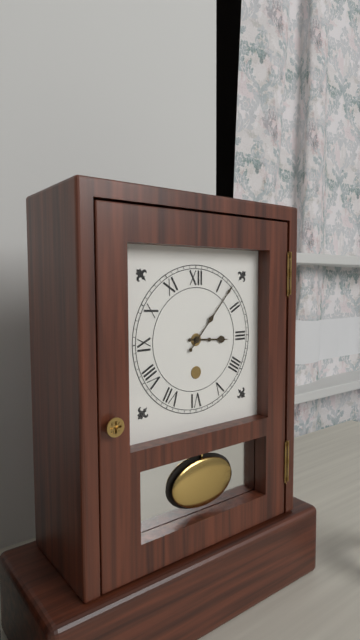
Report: {"hour": 3, "minute": 7}
